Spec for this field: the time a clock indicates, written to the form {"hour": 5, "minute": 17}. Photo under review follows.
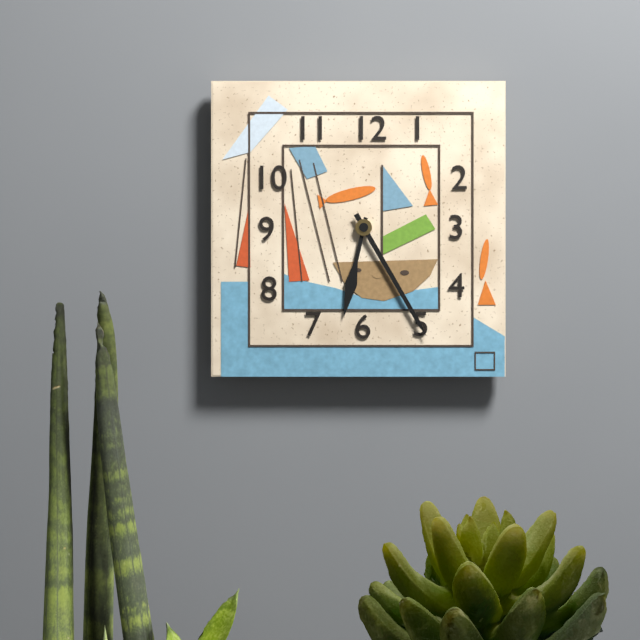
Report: {"hour": 6, "minute": 25}
